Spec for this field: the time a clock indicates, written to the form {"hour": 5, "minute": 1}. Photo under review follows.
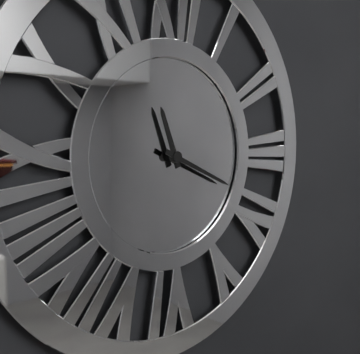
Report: {"hour": 11, "minute": 19}
